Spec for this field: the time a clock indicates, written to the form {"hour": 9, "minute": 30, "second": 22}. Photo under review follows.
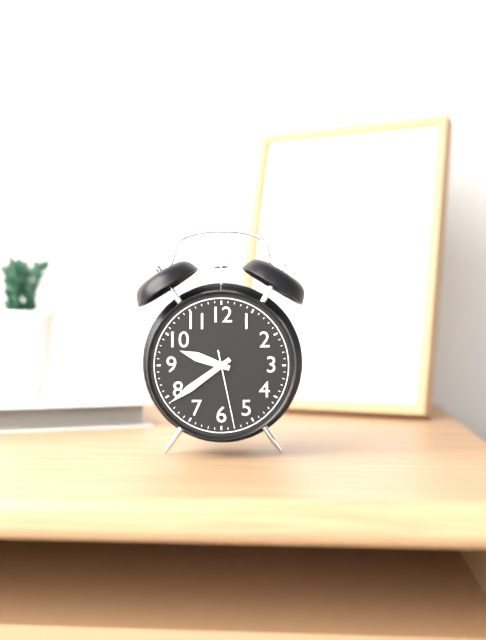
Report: {"hour": 9, "minute": 39, "second": 28}
